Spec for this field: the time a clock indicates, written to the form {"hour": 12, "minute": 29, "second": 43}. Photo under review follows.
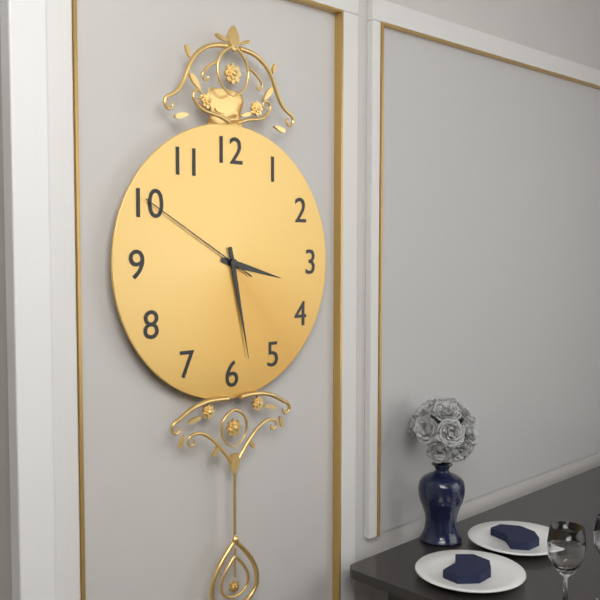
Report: {"hour": 3, "minute": 28, "second": 50}
